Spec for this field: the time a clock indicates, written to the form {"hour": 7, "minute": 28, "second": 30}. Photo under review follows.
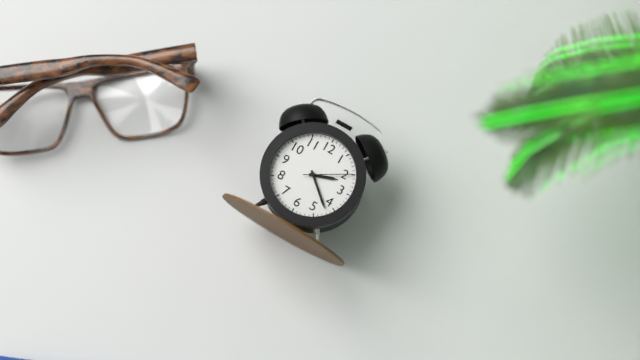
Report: {"hour": 2, "minute": 22, "second": 10}
